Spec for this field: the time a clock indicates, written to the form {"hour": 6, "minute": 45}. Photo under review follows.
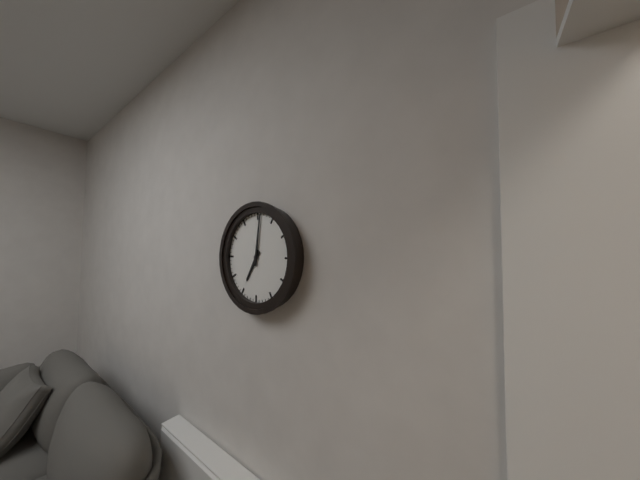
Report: {"hour": 7, "minute": 1}
